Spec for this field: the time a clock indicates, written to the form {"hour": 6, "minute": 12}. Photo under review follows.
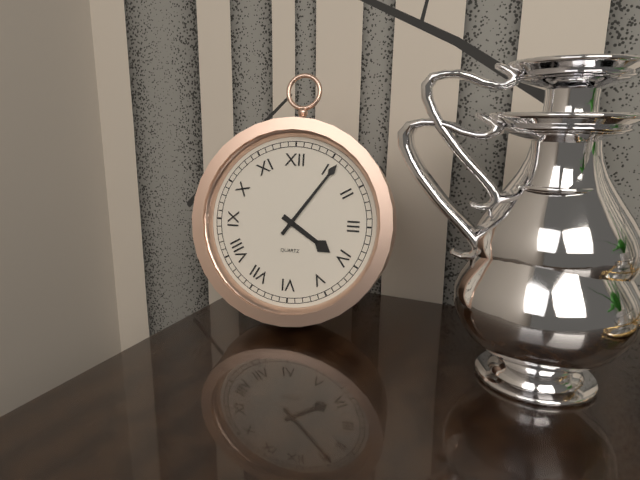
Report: {"hour": 4, "minute": 6}
